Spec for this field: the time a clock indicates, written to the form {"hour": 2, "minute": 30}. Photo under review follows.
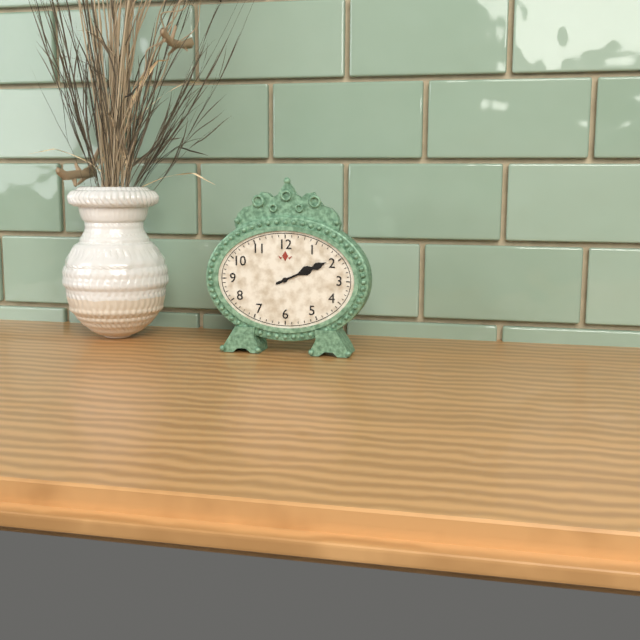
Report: {"hour": 2, "minute": 11}
